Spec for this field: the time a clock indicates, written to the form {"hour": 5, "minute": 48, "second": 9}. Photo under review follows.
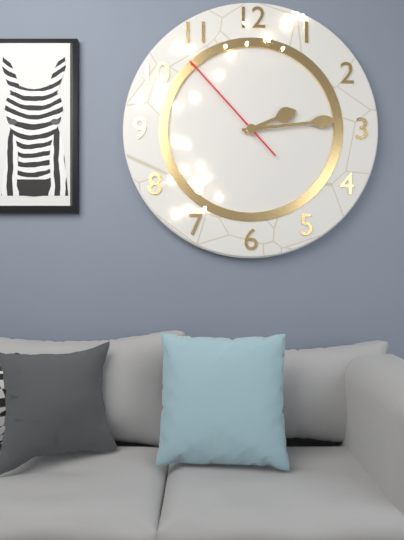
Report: {"hour": 2, "minute": 14, "second": 53}
